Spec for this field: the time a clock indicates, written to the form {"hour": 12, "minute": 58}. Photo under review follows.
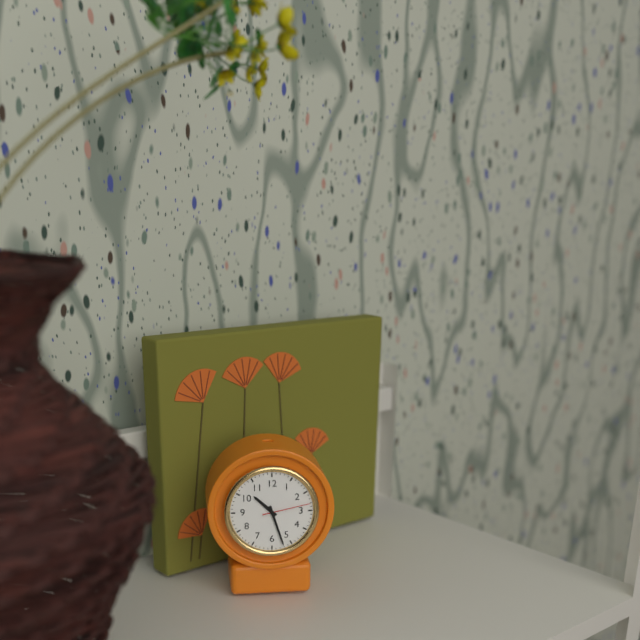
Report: {"hour": 10, "minute": 27}
